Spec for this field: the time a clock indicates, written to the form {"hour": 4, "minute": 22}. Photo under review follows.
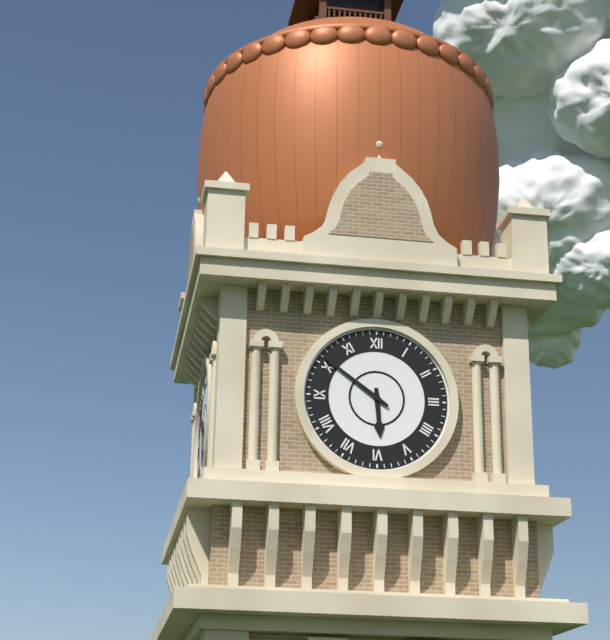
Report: {"hour": 5, "minute": 51}
